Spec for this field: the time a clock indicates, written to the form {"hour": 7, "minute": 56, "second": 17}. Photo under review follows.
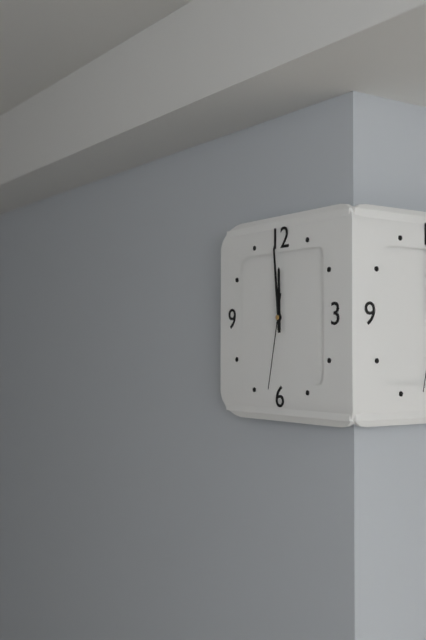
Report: {"hour": 11, "minute": 59, "second": 32}
